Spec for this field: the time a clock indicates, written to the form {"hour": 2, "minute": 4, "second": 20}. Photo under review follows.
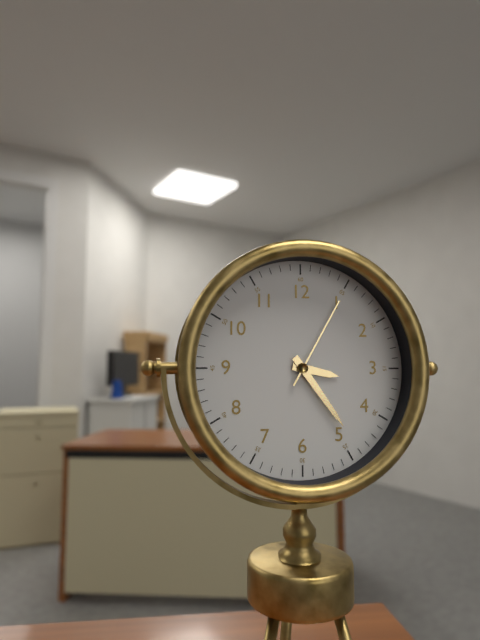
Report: {"hour": 3, "minute": 24, "second": 5}
